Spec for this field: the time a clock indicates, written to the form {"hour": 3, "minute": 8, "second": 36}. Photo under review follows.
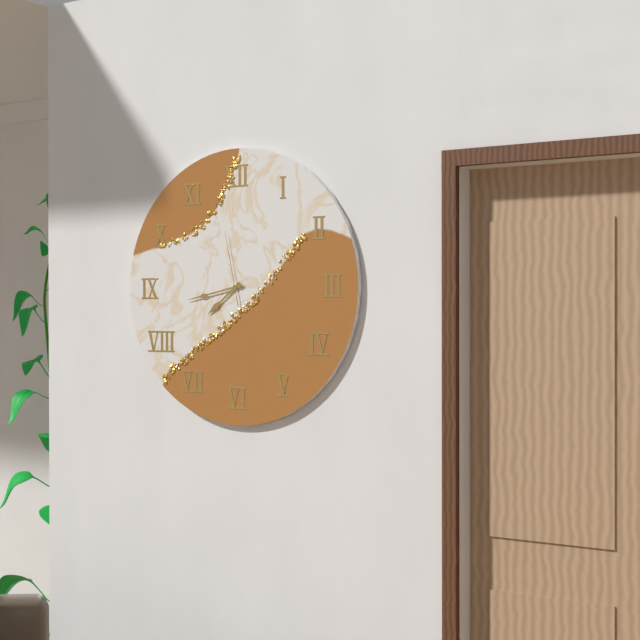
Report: {"hour": 7, "minute": 43, "second": 58}
